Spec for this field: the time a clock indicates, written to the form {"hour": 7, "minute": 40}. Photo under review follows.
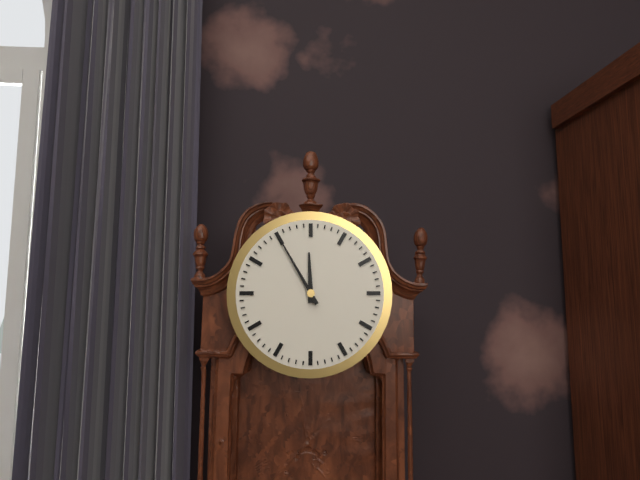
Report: {"hour": 11, "minute": 55}
